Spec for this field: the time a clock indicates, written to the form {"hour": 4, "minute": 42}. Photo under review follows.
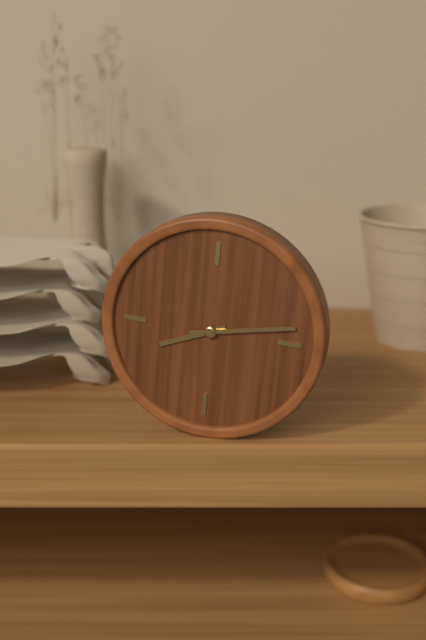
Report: {"hour": 8, "minute": 13}
